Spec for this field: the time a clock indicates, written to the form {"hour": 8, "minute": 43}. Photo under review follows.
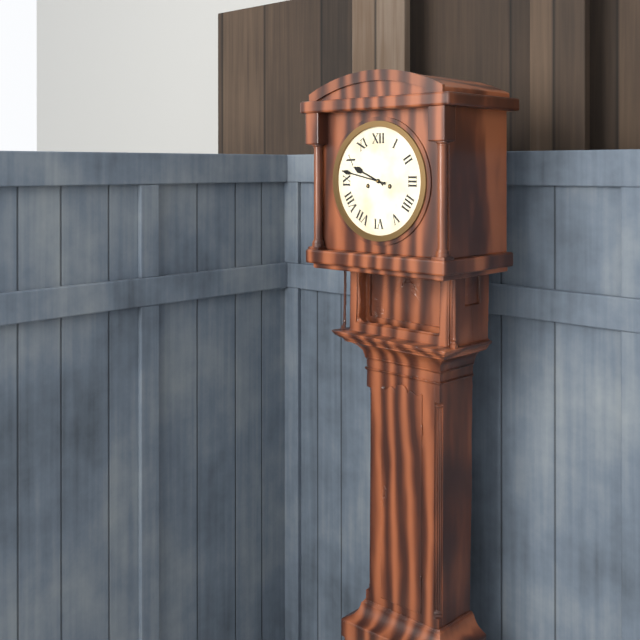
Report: {"hour": 9, "minute": 47}
